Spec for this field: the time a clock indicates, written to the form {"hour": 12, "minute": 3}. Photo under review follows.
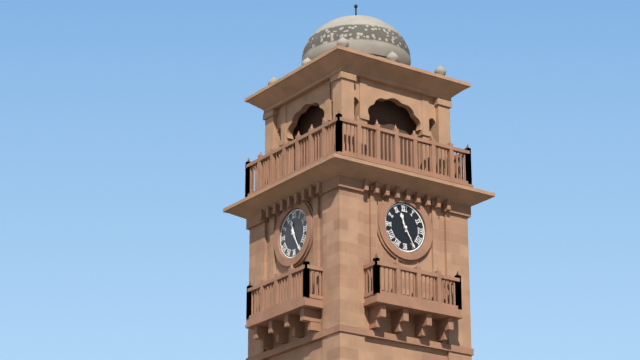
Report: {"hour": 11, "minute": 25}
